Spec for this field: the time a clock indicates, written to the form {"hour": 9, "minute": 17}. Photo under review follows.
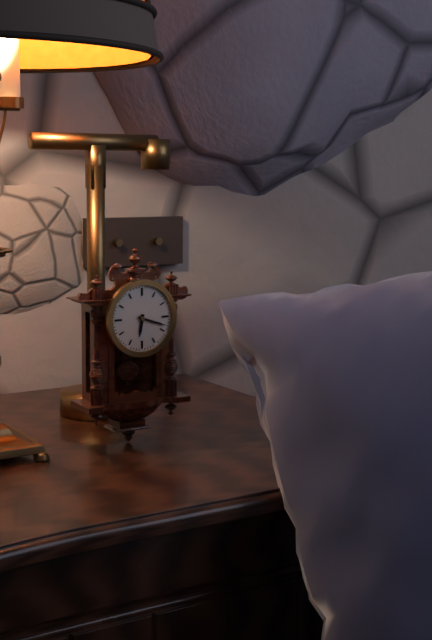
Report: {"hour": 6, "minute": 18}
